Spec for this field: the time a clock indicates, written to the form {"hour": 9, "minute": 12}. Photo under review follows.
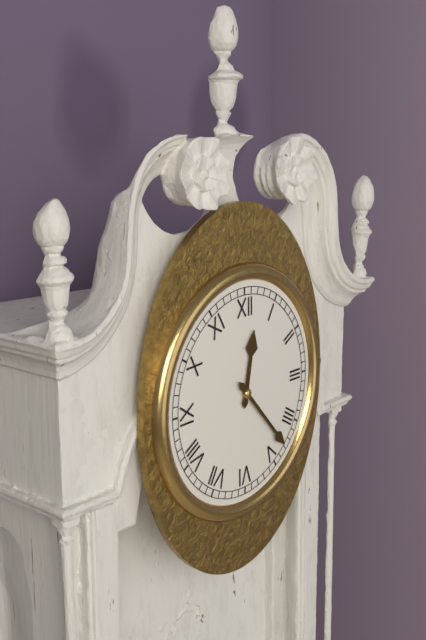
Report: {"hour": 12, "minute": 23}
